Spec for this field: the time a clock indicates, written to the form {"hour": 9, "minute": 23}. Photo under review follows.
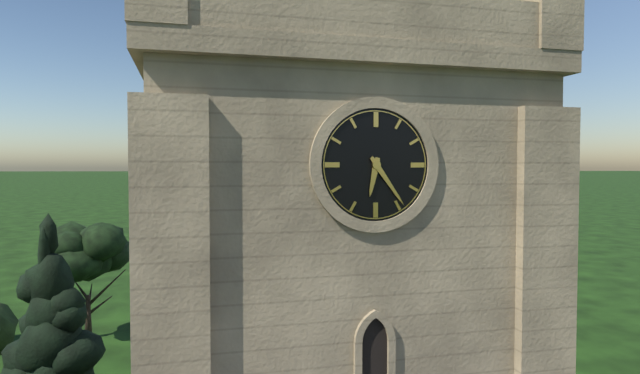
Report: {"hour": 6, "minute": 24}
